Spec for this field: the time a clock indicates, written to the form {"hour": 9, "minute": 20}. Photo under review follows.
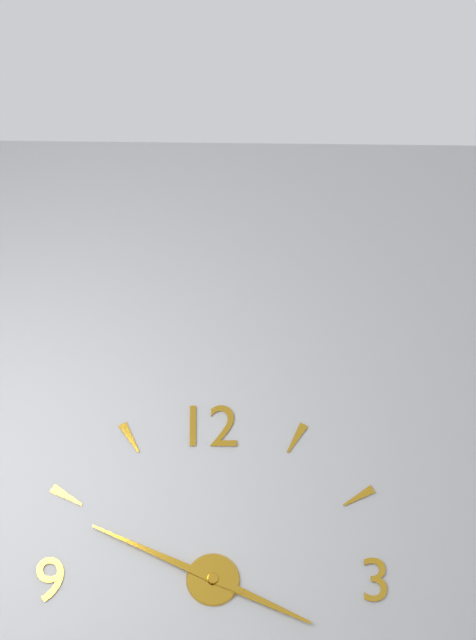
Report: {"hour": 3, "minute": 49}
